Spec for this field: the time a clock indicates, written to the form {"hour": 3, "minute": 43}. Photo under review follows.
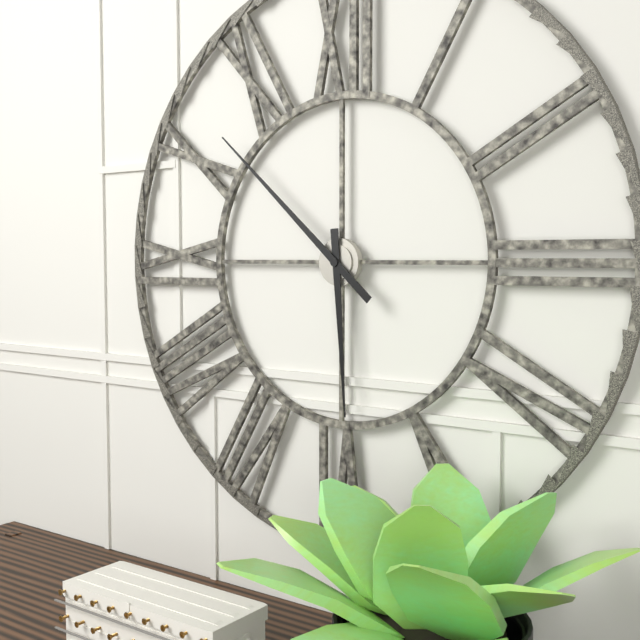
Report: {"hour": 5, "minute": 52}
